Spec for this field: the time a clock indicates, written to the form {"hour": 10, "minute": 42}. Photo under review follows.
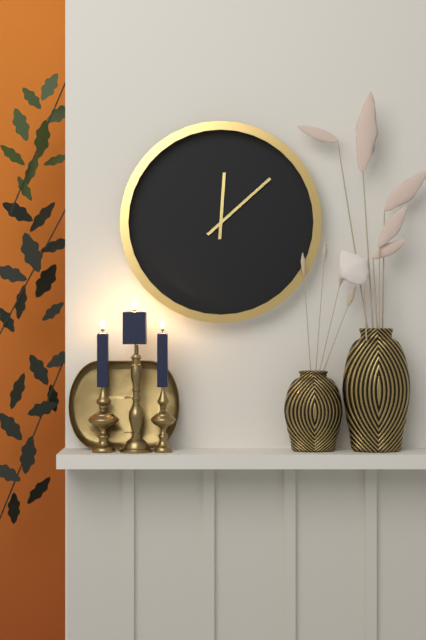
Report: {"hour": 12, "minute": 8}
